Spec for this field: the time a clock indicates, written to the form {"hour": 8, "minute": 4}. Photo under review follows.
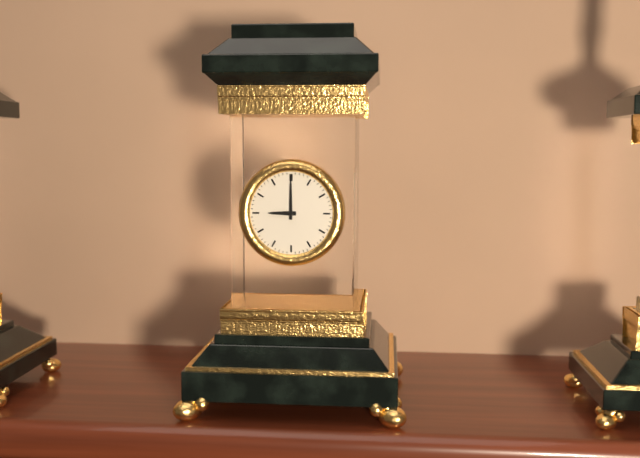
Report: {"hour": 9, "minute": 0}
